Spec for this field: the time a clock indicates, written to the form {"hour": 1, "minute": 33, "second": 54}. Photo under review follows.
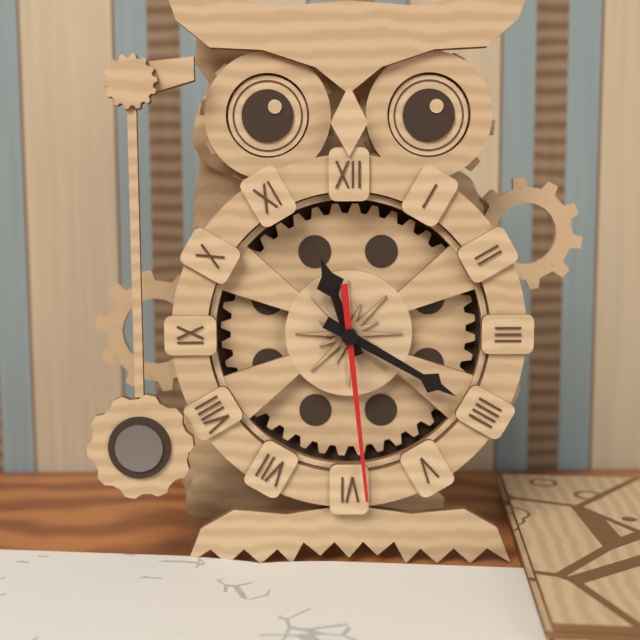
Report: {"hour": 11, "minute": 20, "second": 29}
